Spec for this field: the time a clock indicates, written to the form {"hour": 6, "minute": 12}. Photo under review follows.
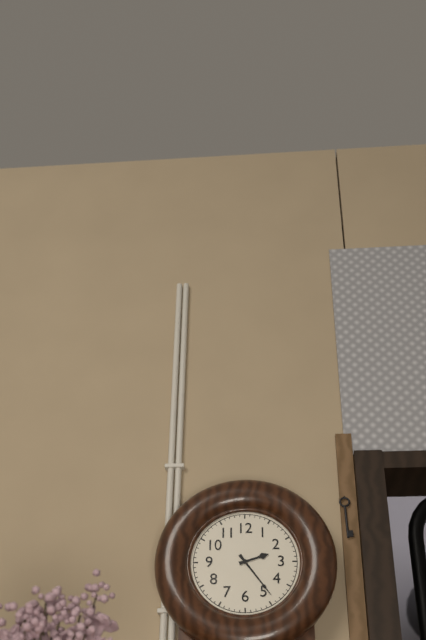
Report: {"hour": 2, "minute": 24}
